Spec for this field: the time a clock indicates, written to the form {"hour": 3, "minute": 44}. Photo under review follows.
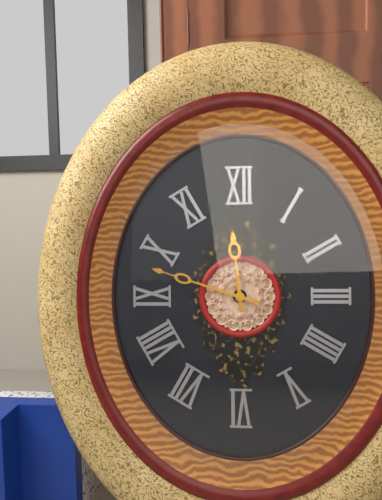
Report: {"hour": 11, "minute": 48}
